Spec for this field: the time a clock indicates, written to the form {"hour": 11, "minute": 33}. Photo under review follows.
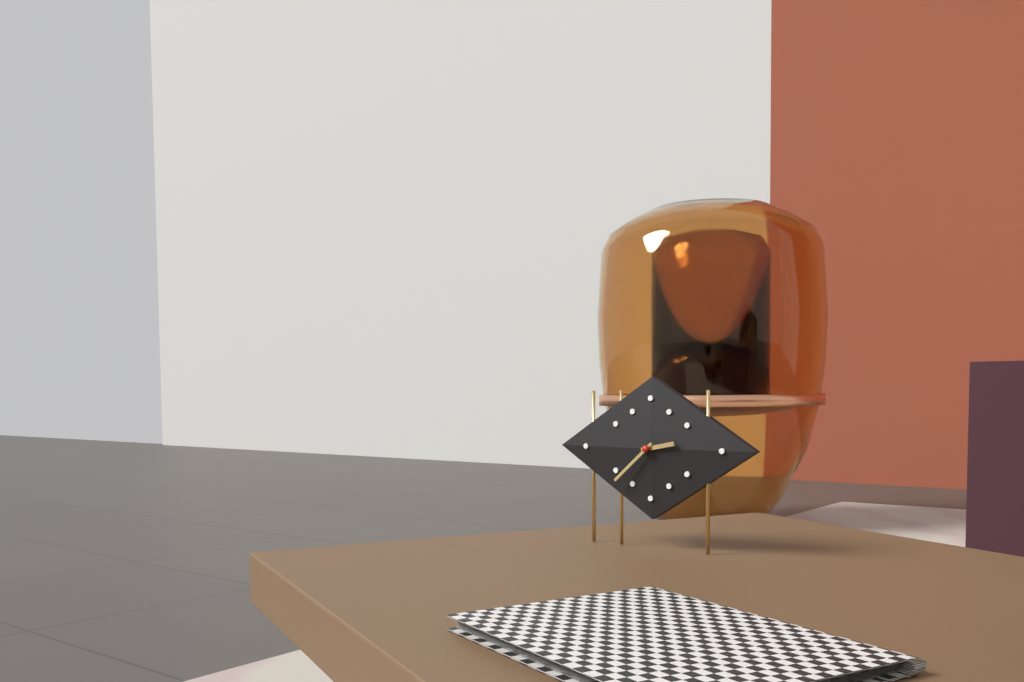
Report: {"hour": 2, "minute": 38}
